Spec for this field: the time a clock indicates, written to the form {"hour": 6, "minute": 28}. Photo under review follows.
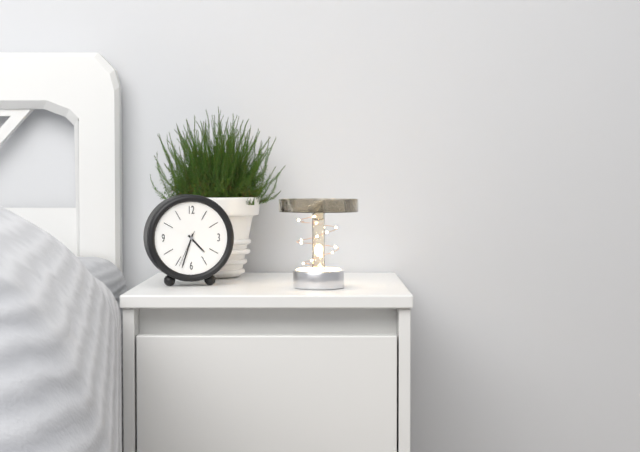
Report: {"hour": 4, "minute": 33}
